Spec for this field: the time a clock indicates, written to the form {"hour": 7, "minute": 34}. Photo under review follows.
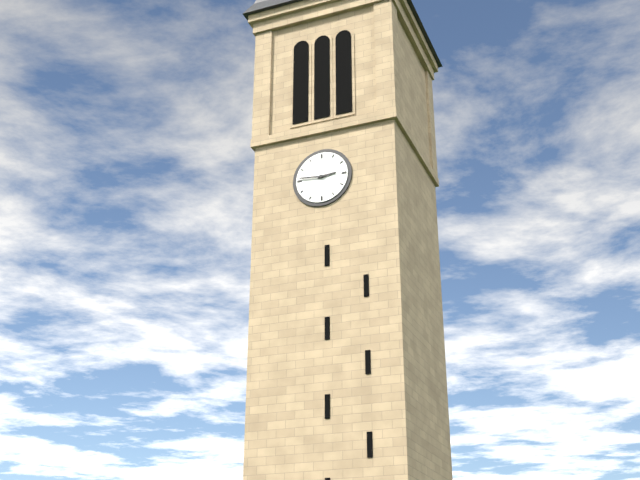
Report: {"hour": 2, "minute": 46}
